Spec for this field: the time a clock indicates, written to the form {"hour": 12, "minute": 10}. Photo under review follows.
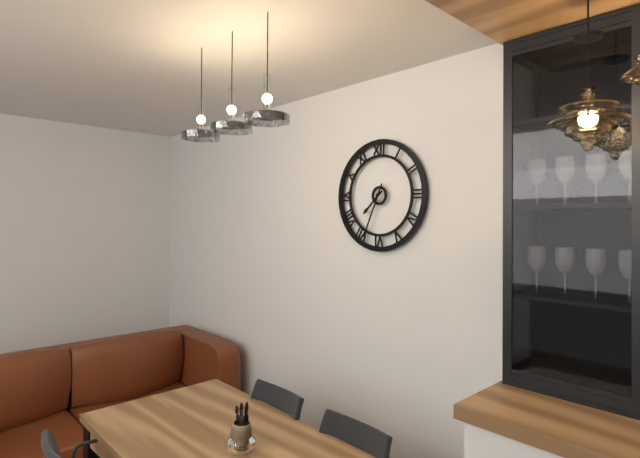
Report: {"hour": 7, "minute": 34}
